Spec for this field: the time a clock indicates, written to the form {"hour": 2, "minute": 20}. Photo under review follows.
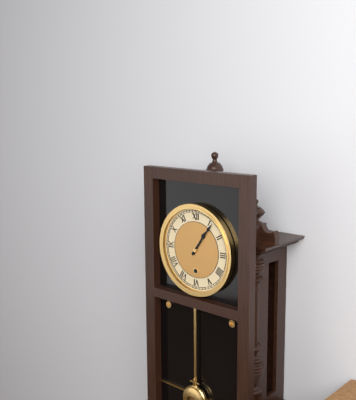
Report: {"hour": 1, "minute": 6}
